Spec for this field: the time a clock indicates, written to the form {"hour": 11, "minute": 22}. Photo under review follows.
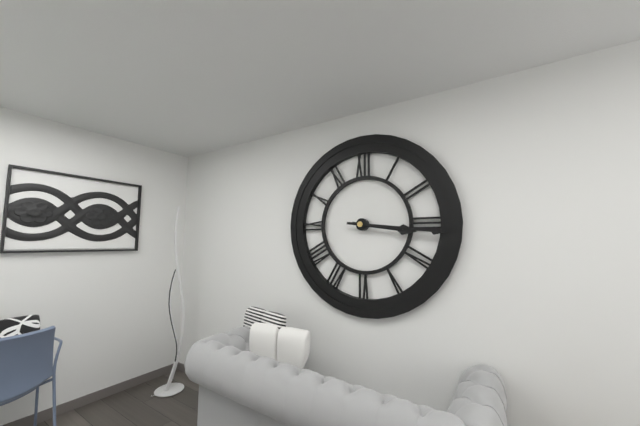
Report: {"hour": 3, "minute": 16}
